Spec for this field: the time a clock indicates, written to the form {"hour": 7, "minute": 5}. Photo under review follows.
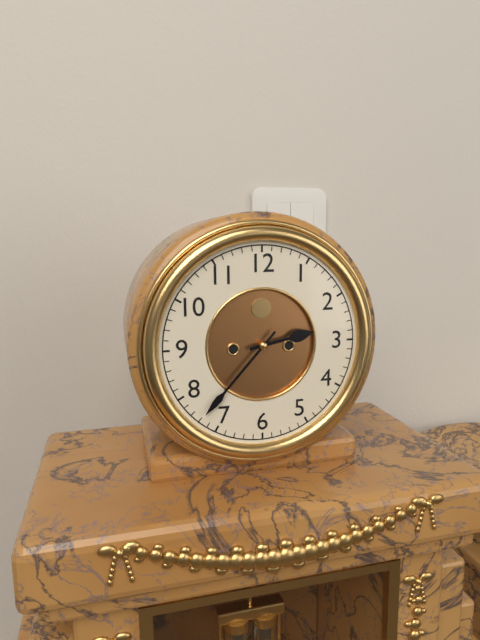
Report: {"hour": 2, "minute": 37}
